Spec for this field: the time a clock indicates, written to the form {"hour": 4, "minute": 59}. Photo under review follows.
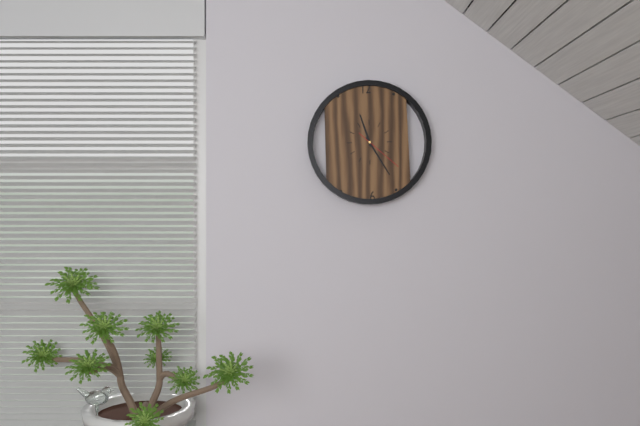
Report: {"hour": 11, "minute": 25}
